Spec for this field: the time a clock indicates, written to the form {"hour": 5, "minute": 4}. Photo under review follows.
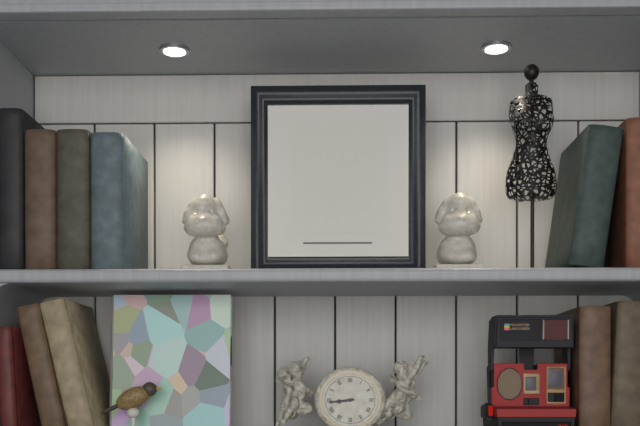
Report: {"hour": 8, "minute": 44}
